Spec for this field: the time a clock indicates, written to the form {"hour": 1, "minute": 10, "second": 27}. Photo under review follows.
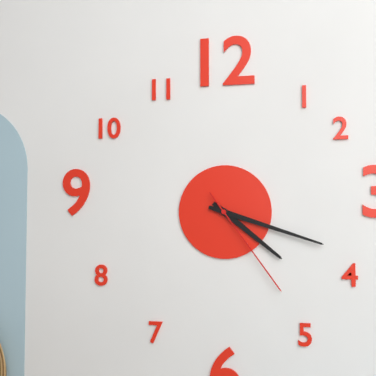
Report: {"hour": 4, "minute": 18, "second": 24}
